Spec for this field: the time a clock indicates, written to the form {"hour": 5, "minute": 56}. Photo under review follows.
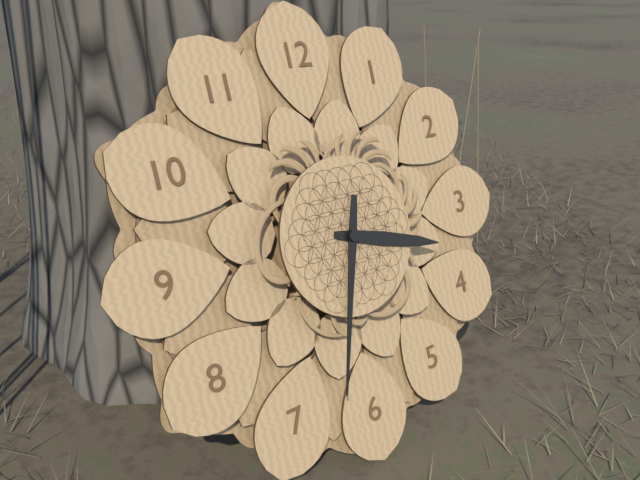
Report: {"hour": 3, "minute": 33}
